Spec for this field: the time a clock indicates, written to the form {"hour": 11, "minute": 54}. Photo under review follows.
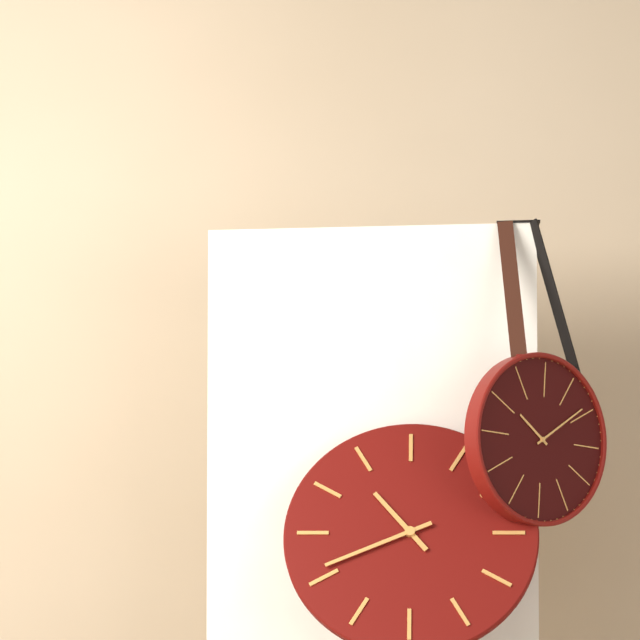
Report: {"hour": 10, "minute": 41}
